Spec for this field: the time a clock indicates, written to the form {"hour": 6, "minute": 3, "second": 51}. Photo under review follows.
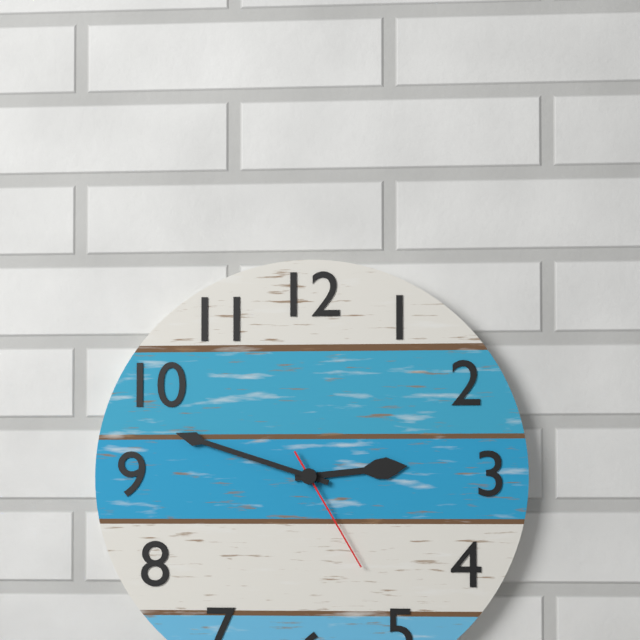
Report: {"hour": 2, "minute": 48, "second": 25}
